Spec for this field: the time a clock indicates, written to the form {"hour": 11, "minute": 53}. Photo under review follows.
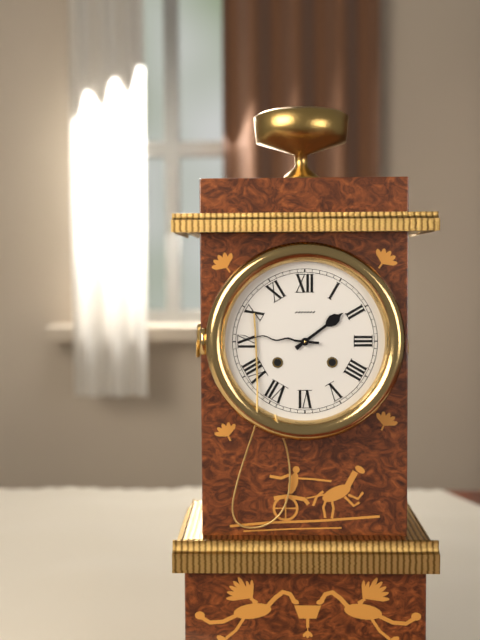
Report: {"hour": 1, "minute": 46}
